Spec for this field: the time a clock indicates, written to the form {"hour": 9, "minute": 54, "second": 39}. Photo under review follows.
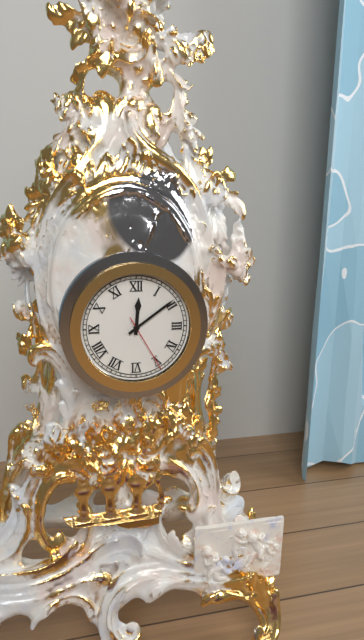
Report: {"hour": 12, "minute": 9, "second": 25}
